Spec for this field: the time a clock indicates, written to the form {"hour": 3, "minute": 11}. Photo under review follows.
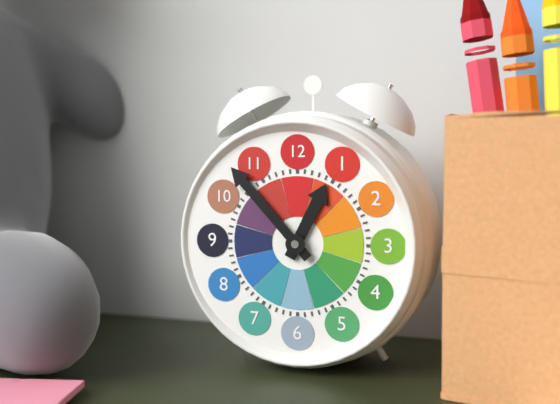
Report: {"hour": 12, "minute": 53}
